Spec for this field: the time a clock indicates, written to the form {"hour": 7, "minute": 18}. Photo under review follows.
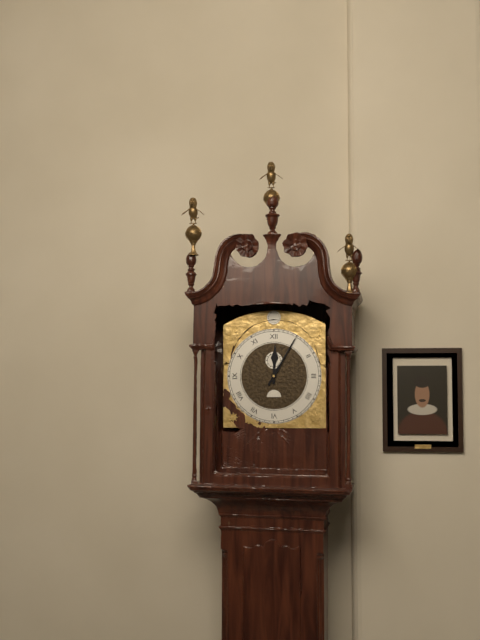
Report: {"hour": 12, "minute": 5}
